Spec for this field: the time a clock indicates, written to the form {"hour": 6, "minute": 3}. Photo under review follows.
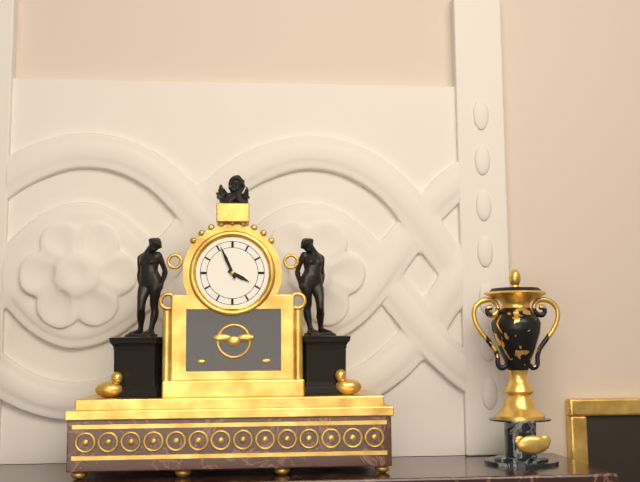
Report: {"hour": 3, "minute": 56}
